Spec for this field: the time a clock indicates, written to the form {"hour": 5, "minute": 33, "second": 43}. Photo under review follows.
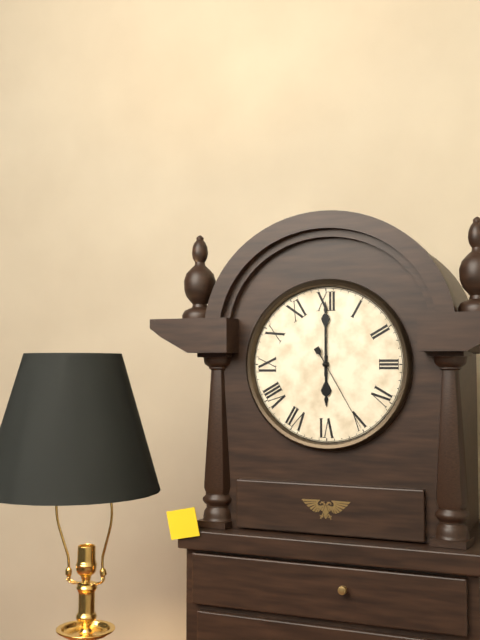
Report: {"hour": 6, "minute": 0, "second": 25}
